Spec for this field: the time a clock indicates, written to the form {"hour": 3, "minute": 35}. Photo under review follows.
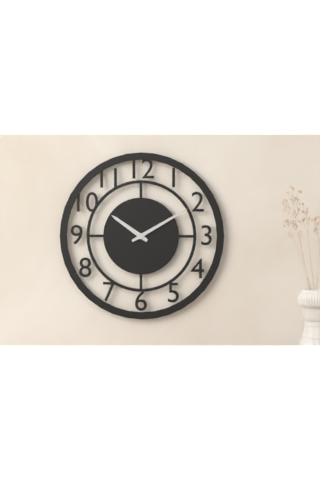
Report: {"hour": 10, "minute": 10}
